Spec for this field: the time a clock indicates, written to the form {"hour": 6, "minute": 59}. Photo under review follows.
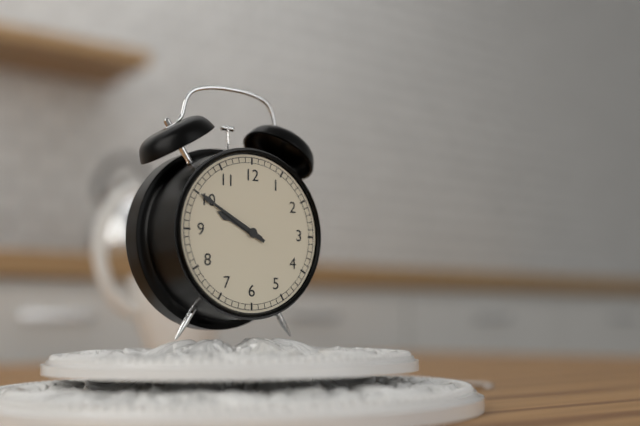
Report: {"hour": 9, "minute": 50}
